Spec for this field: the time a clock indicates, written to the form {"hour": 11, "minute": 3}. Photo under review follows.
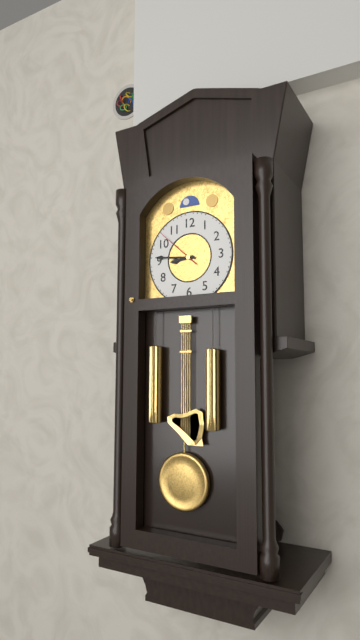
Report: {"hour": 8, "minute": 46}
